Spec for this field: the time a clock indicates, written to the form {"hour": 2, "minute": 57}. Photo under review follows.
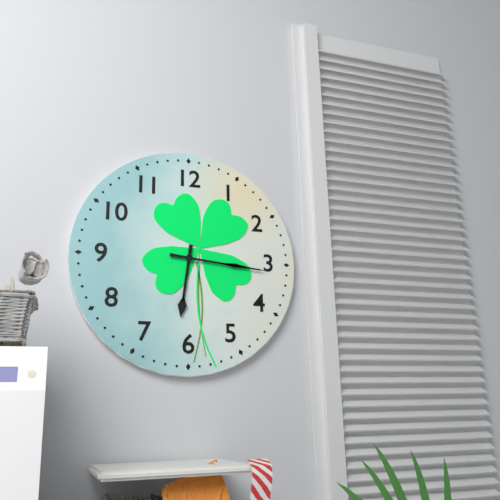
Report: {"hour": 6, "minute": 16}
